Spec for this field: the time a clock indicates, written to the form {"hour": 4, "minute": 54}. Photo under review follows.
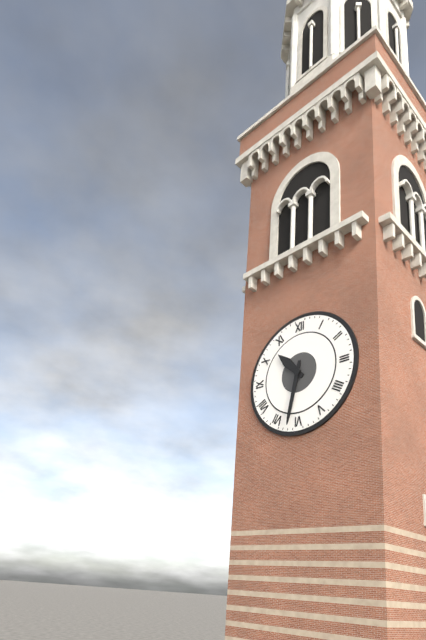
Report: {"hour": 10, "minute": 32}
